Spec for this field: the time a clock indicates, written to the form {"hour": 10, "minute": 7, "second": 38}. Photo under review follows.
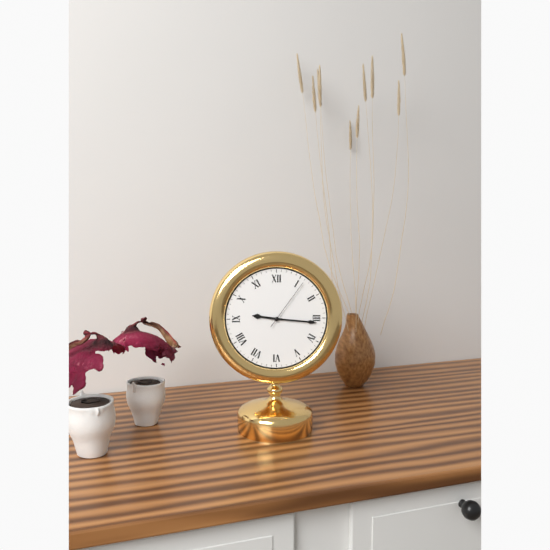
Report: {"hour": 9, "minute": 16, "second": 6}
